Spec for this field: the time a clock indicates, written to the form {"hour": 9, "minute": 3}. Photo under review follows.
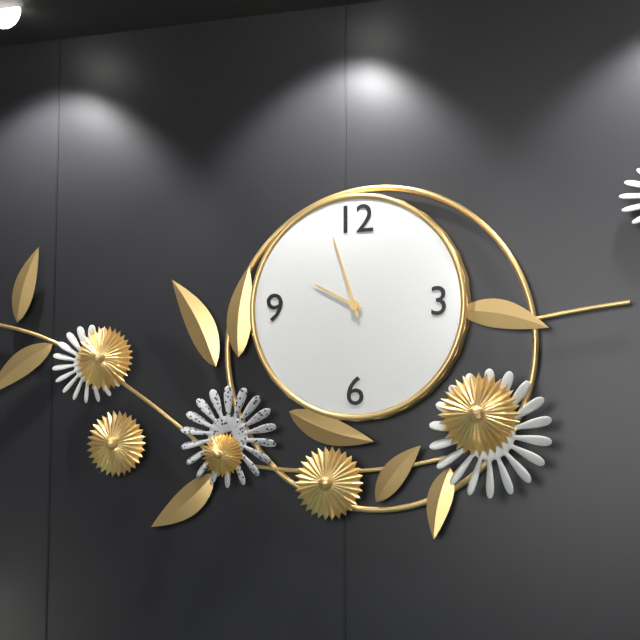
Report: {"hour": 9, "minute": 57}
